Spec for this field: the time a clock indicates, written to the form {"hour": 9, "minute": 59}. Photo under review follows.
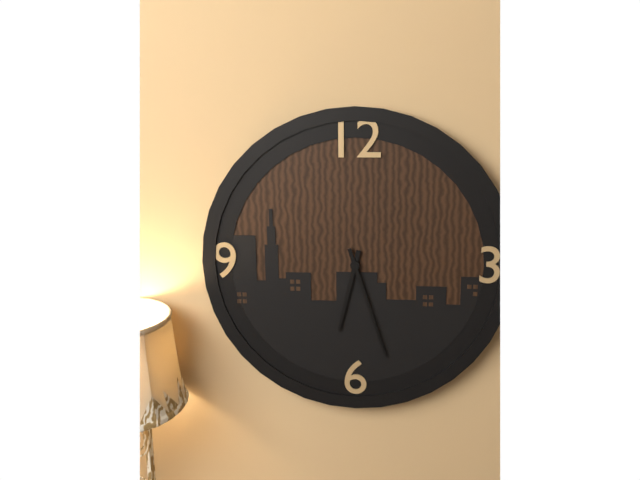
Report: {"hour": 6, "minute": 27}
